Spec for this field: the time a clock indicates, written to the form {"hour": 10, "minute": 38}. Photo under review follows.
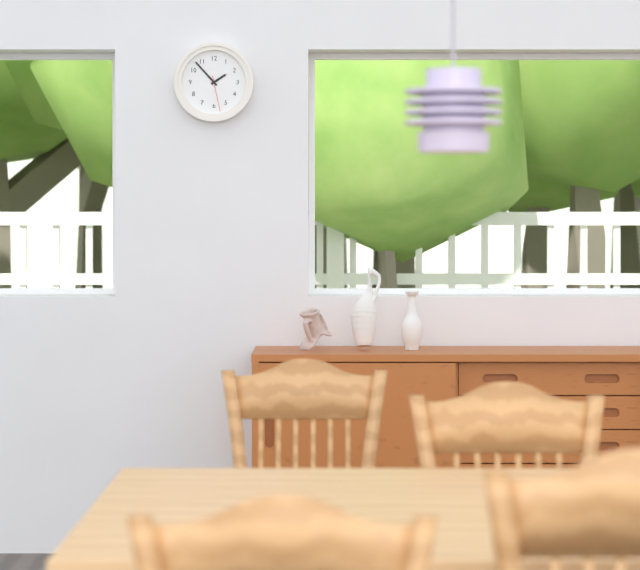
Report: {"hour": 1, "minute": 53}
